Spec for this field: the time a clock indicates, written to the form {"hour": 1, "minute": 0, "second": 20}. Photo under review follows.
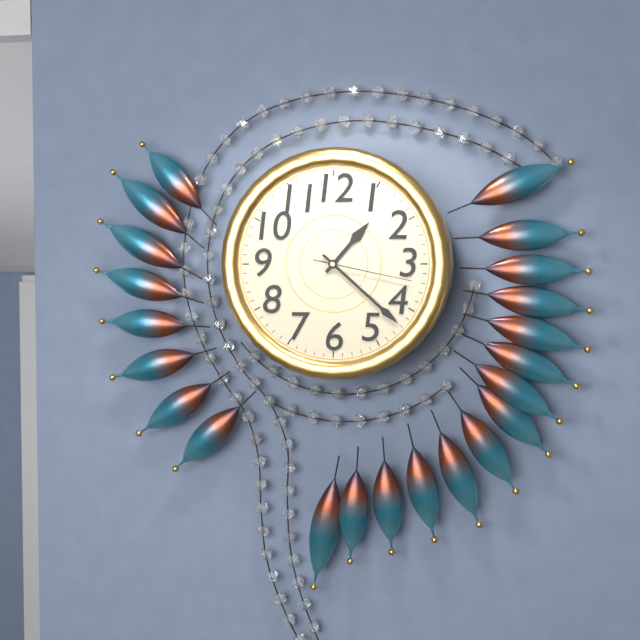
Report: {"hour": 1, "minute": 22, "second": 17}
